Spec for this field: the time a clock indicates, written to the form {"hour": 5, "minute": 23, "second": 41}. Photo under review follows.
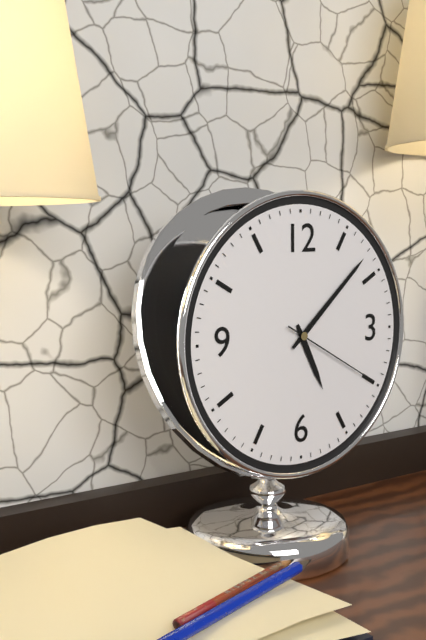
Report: {"hour": 5, "minute": 8, "second": 20}
